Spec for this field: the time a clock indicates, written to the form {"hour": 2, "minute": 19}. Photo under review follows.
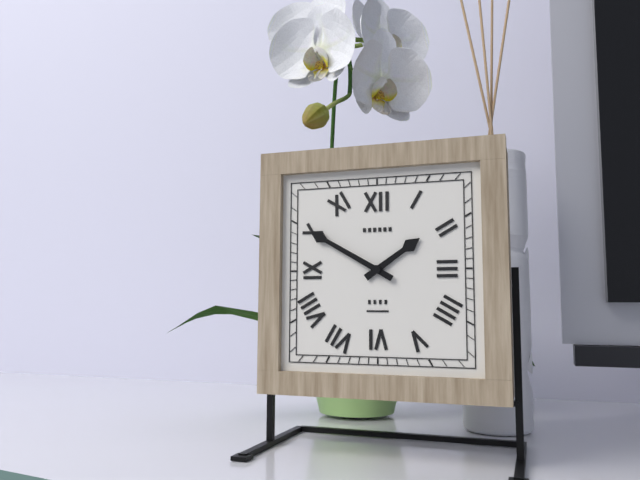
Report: {"hour": 1, "minute": 50}
